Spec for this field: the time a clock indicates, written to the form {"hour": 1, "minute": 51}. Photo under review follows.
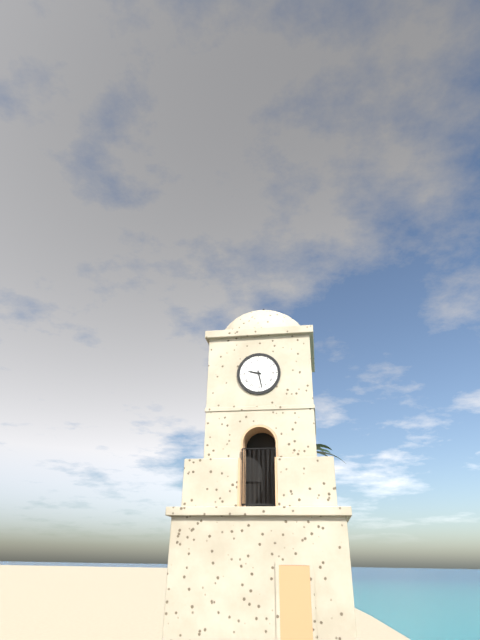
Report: {"hour": 9, "minute": 28}
